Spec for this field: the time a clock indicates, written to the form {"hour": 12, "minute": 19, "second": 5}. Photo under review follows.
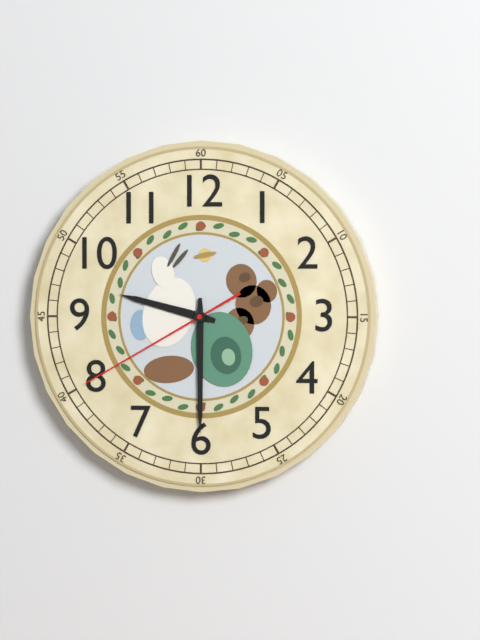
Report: {"hour": 9, "minute": 30, "second": 40}
